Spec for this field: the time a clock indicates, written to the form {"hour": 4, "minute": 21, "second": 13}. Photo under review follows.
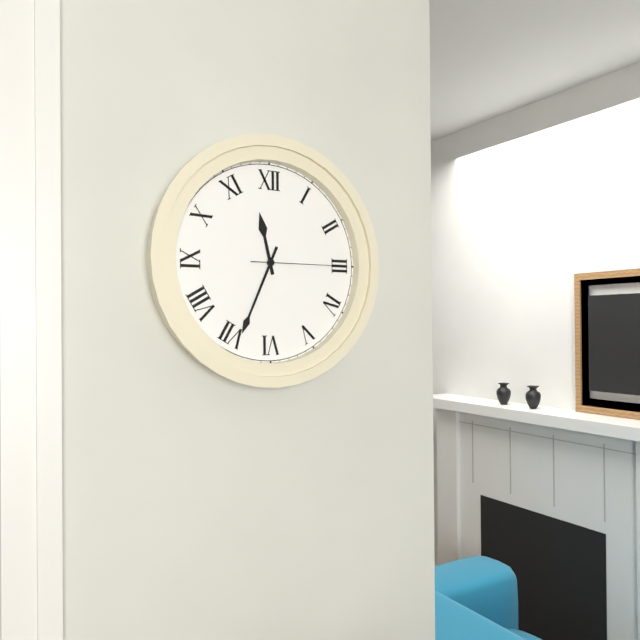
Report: {"hour": 11, "minute": 34, "second": 15}
